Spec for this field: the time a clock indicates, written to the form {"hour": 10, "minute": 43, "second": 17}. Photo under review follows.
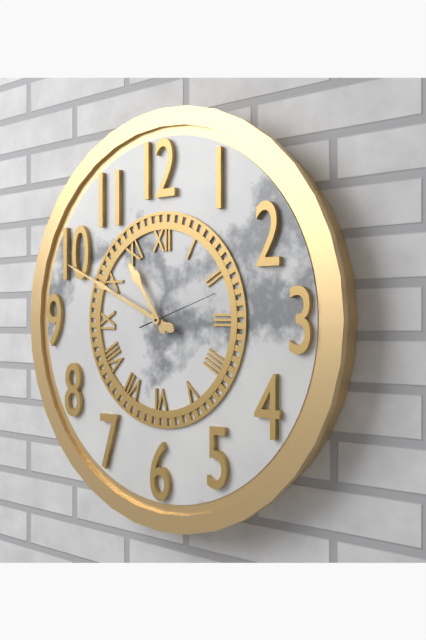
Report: {"hour": 10, "minute": 49, "second": 12}
